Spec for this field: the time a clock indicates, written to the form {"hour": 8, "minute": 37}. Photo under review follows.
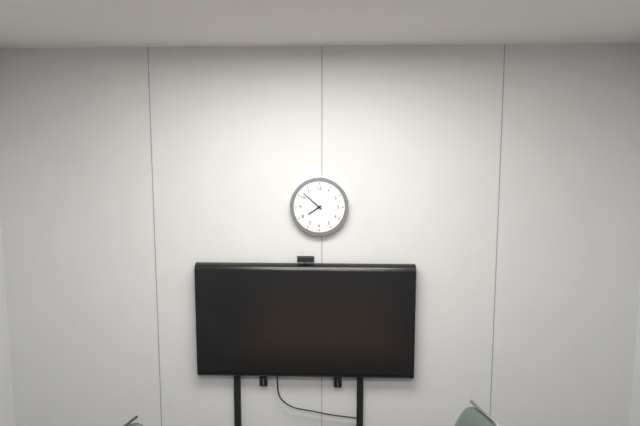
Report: {"hour": 7, "minute": 52}
